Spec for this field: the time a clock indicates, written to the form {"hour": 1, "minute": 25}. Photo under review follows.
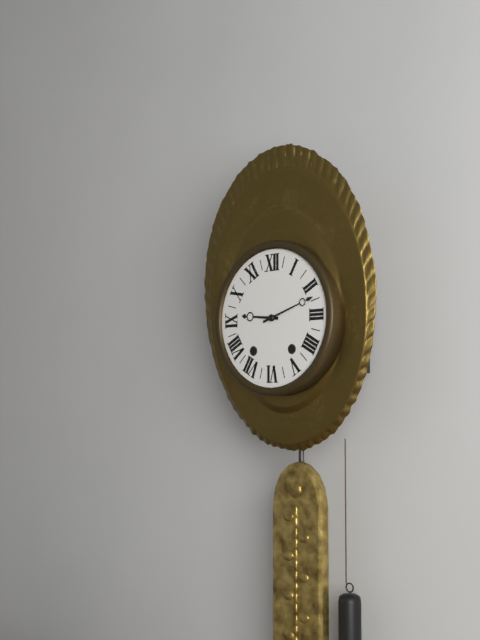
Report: {"hour": 9, "minute": 12}
